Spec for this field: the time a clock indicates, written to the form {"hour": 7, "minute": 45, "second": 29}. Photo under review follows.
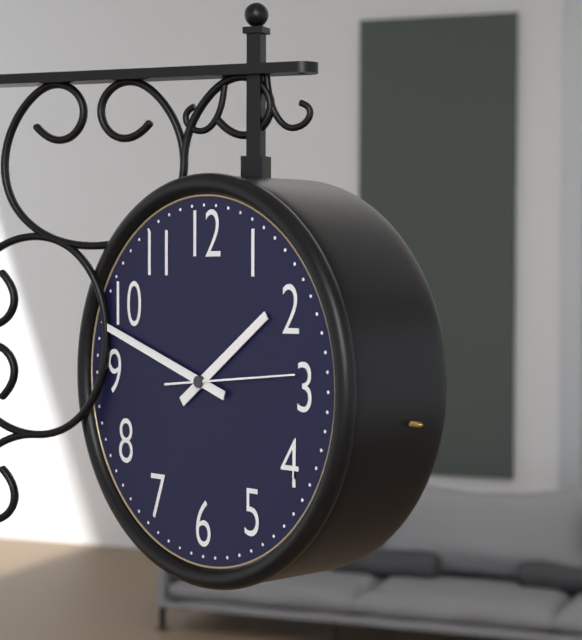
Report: {"hour": 1, "minute": 48, "second": 14}
